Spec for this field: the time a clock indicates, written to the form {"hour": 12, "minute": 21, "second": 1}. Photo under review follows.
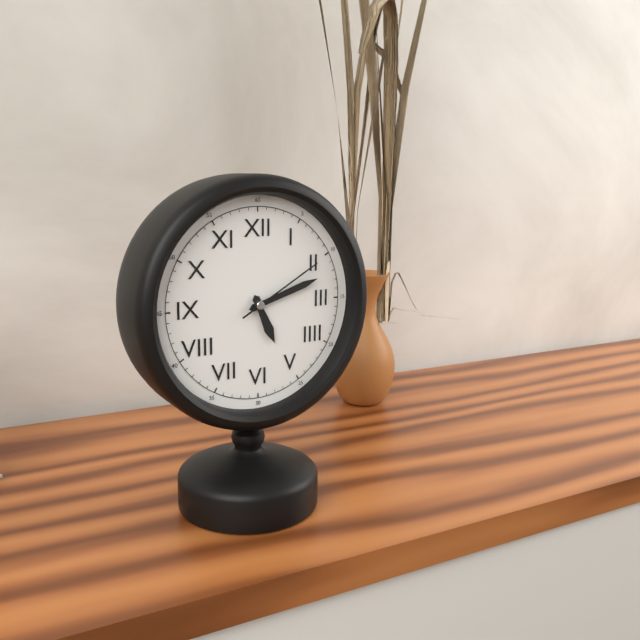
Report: {"hour": 5, "minute": 12, "second": 10}
